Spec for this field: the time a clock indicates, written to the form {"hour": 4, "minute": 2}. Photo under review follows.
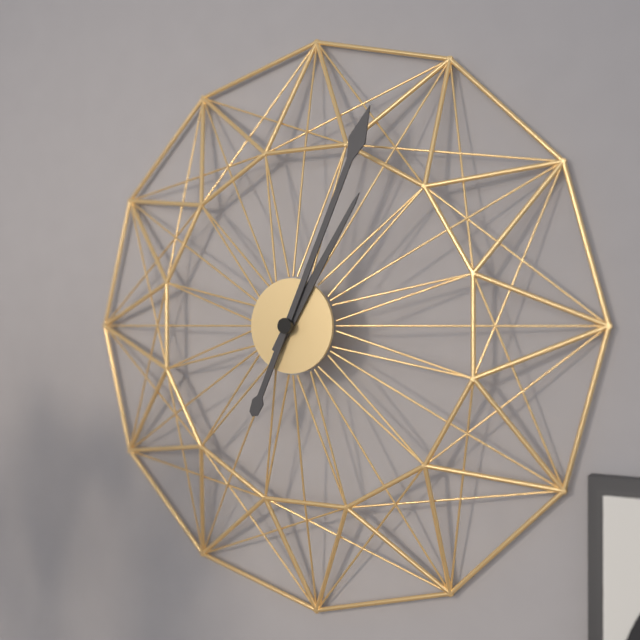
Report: {"hour": 1, "minute": 4}
